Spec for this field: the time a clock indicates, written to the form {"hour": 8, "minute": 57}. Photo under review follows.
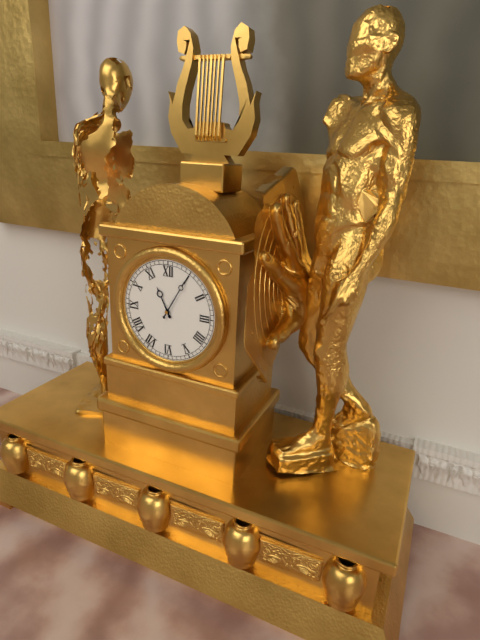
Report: {"hour": 11, "minute": 5}
